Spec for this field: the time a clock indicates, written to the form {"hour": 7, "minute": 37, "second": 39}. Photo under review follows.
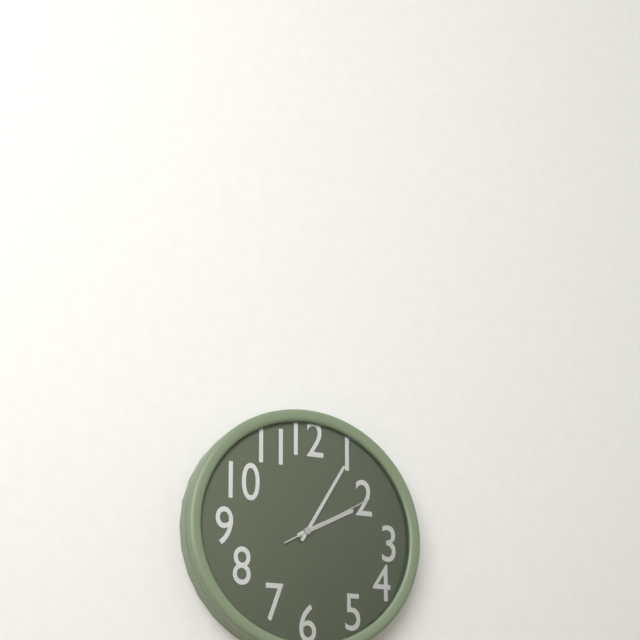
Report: {"hour": 2, "minute": 5, "second": 10}
